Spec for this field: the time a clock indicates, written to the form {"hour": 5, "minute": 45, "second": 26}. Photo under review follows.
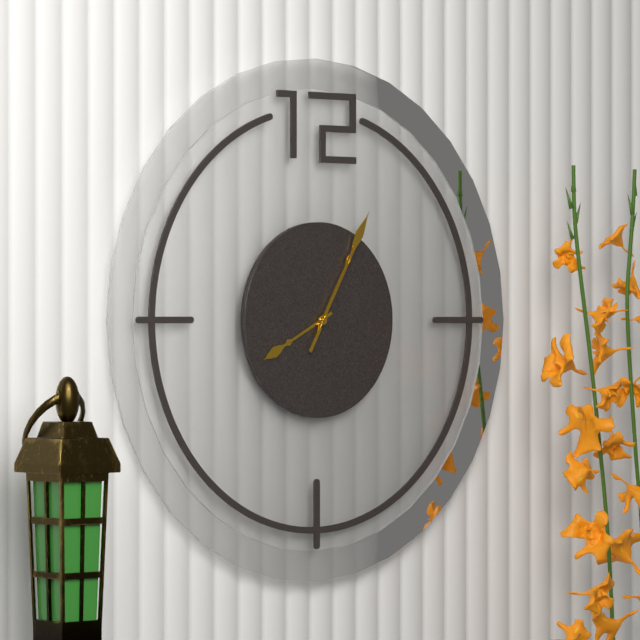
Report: {"hour": 8, "minute": 5, "second": 5}
